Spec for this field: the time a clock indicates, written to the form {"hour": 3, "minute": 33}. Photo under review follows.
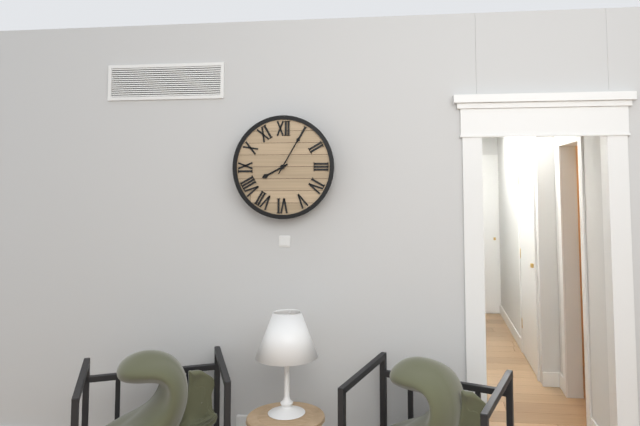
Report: {"hour": 8, "minute": 5}
